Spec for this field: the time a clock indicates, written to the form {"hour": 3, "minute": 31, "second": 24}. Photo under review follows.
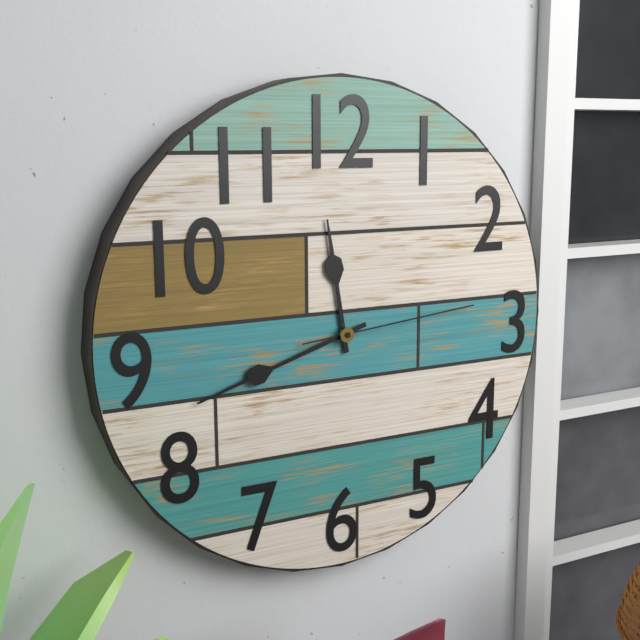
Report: {"hour": 11, "minute": 42, "second": 14}
